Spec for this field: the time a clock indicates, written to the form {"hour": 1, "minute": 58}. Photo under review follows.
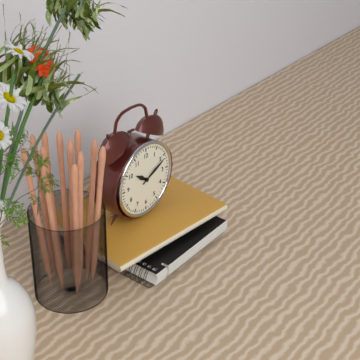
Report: {"hour": 10, "minute": 11}
